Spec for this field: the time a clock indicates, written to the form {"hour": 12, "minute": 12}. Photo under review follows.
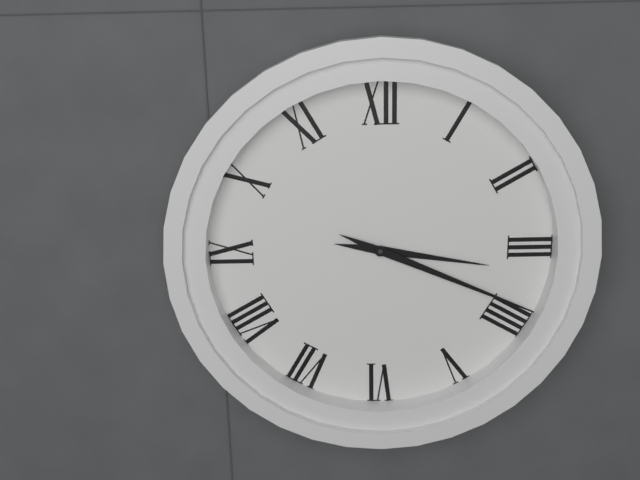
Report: {"hour": 3, "minute": 19}
